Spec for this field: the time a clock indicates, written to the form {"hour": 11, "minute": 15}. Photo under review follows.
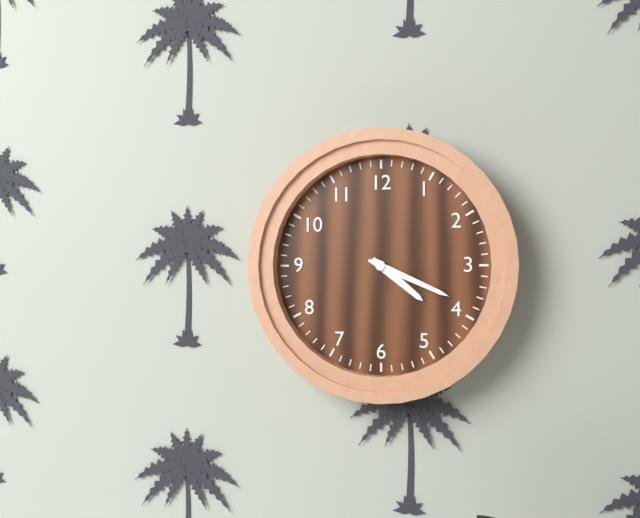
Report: {"hour": 4, "minute": 19}
